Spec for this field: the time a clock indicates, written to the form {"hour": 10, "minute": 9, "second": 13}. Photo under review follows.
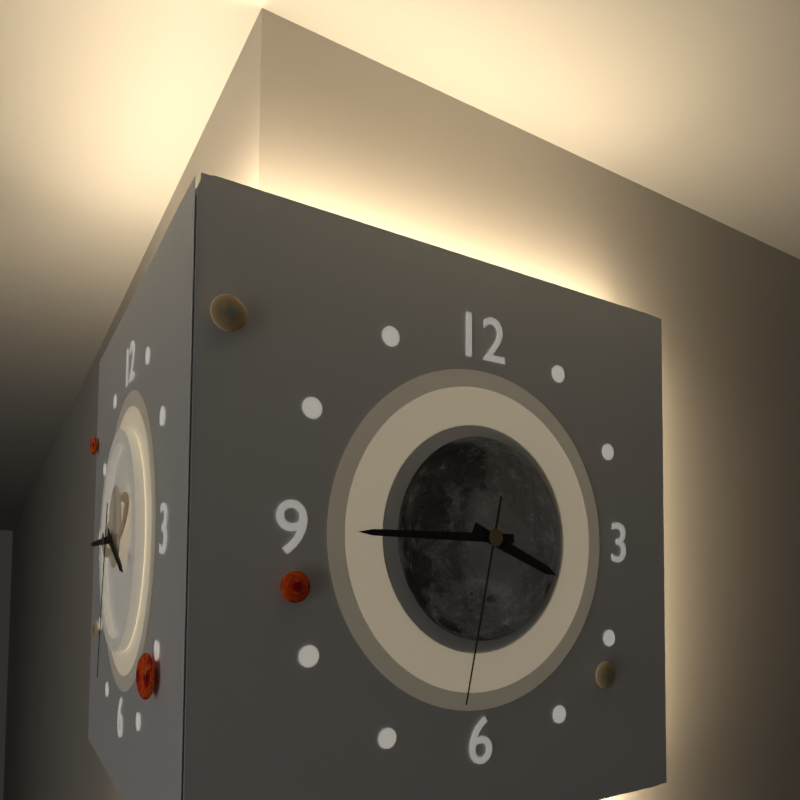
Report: {"hour": 3, "minute": 45, "second": 32}
